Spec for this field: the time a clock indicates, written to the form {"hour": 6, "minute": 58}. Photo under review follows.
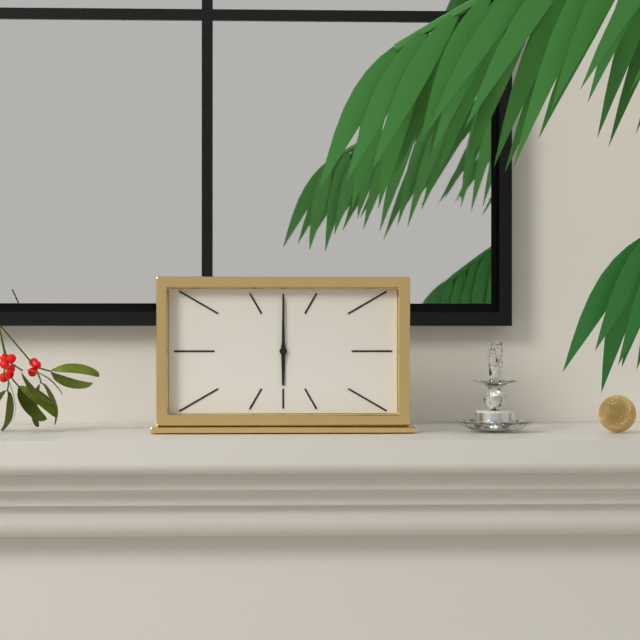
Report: {"hour": 6, "minute": 0}
